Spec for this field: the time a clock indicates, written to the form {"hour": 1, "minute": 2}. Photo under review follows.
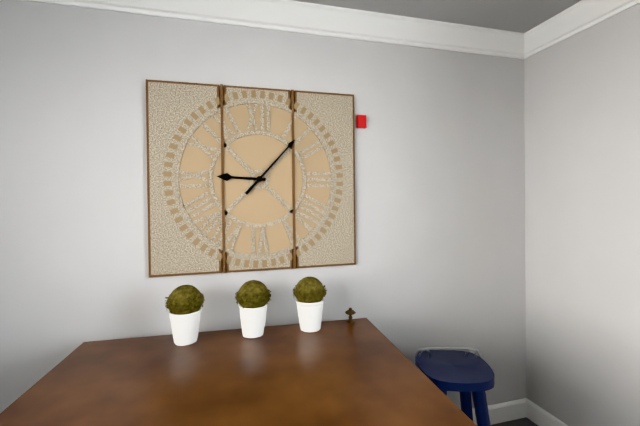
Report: {"hour": 9, "minute": 7}
